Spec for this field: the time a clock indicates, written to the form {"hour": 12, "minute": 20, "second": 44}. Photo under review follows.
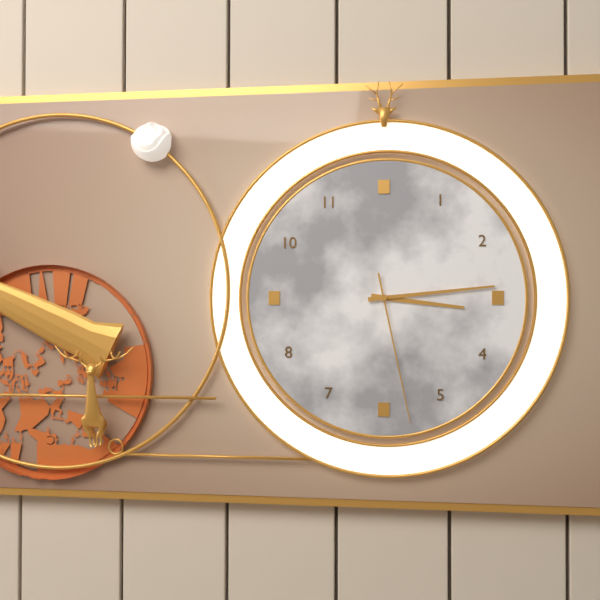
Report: {"hour": 3, "minute": 14, "second": 28}
